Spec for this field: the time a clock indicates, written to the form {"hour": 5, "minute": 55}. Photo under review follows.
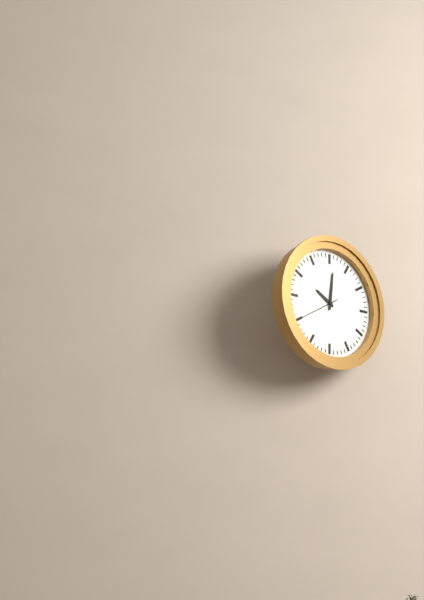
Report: {"hour": 10, "minute": 1}
